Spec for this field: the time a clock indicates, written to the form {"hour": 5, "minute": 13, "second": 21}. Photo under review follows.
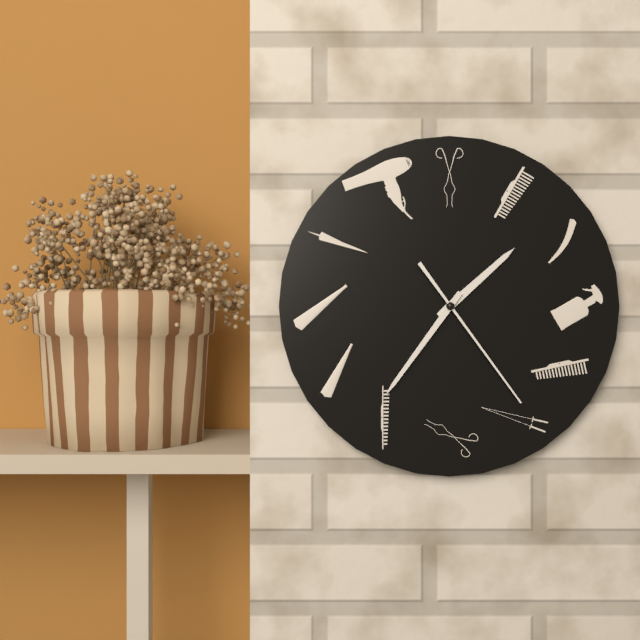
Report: {"hour": 1, "minute": 36, "second": 24}
